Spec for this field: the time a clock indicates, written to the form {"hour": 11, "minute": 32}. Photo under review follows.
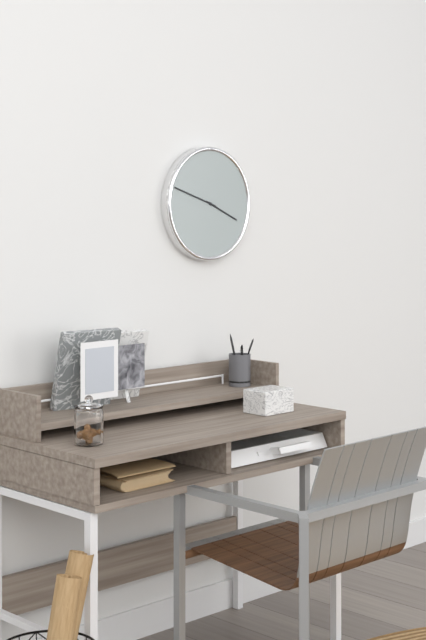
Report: {"hour": 3, "minute": 48}
